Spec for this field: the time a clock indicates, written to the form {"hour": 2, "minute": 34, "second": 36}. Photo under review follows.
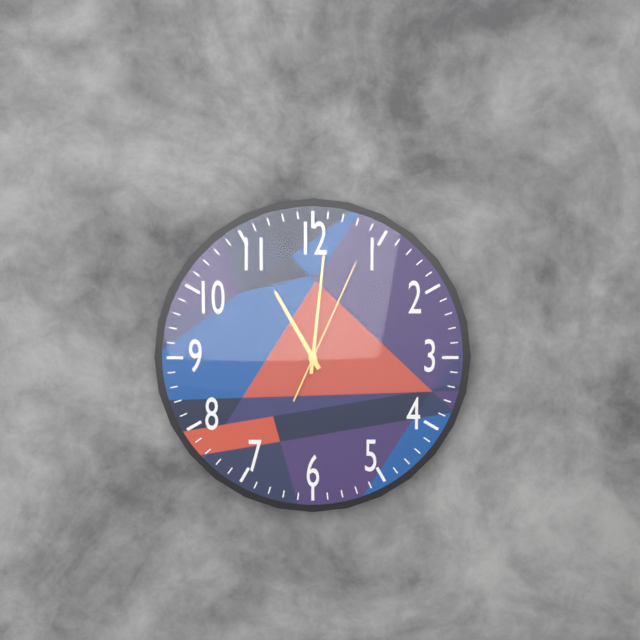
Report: {"hour": 11, "minute": 1, "second": 4}
